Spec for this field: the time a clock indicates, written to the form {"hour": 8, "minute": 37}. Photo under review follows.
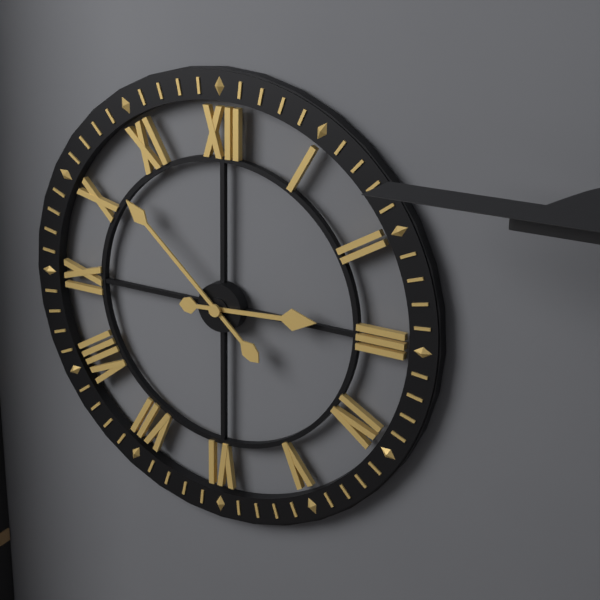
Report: {"hour": 2, "minute": 52}
